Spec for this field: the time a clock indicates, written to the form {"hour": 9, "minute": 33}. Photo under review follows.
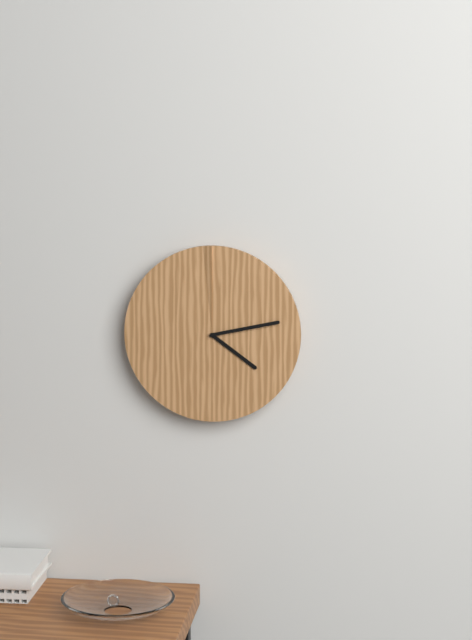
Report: {"hour": 4, "minute": 13}
